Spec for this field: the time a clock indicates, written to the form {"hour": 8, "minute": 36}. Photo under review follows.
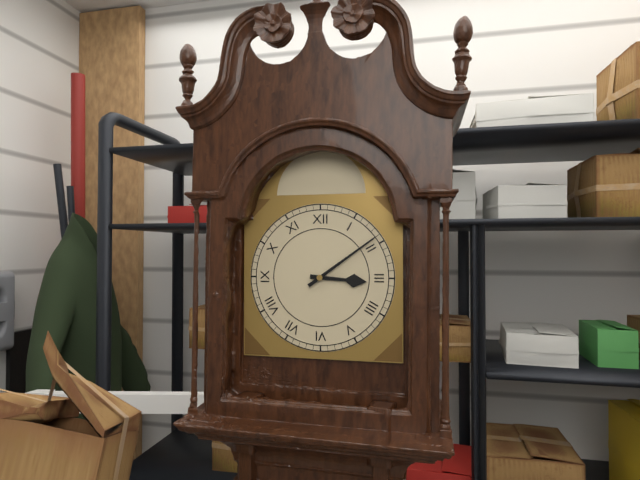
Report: {"hour": 3, "minute": 9}
